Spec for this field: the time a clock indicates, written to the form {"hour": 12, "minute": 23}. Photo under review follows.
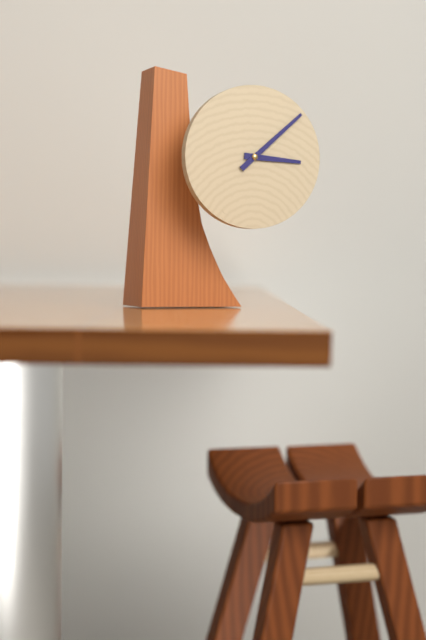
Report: {"hour": 3, "minute": 8}
